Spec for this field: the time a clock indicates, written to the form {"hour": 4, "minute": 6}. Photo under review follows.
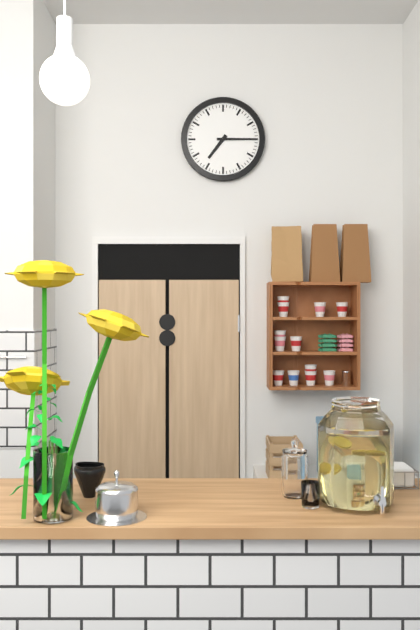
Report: {"hour": 7, "minute": 15}
